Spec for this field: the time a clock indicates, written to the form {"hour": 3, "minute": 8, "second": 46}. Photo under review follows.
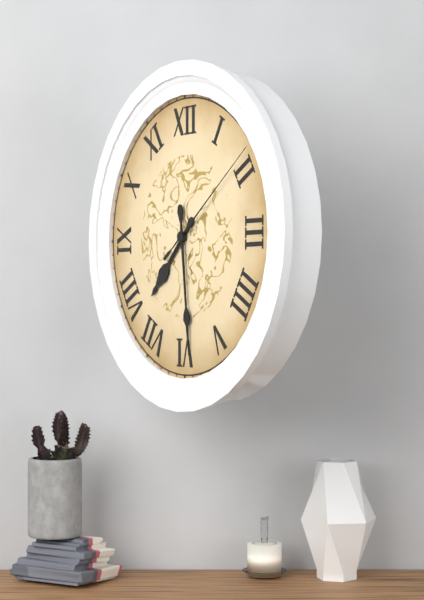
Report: {"hour": 7, "minute": 29, "second": 9}
